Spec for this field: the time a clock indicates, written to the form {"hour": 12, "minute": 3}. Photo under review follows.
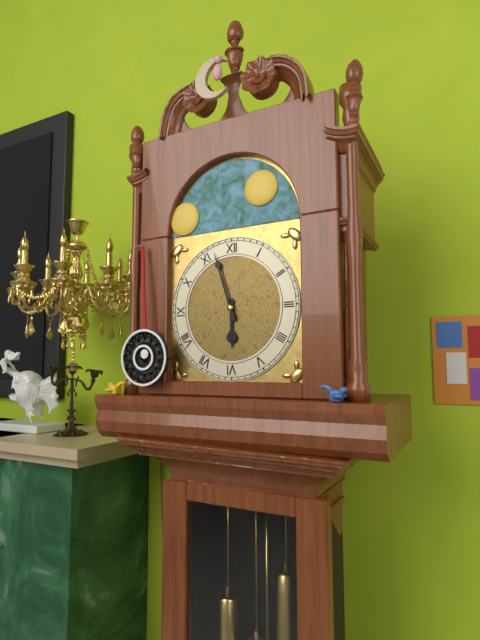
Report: {"hour": 5, "minute": 57}
